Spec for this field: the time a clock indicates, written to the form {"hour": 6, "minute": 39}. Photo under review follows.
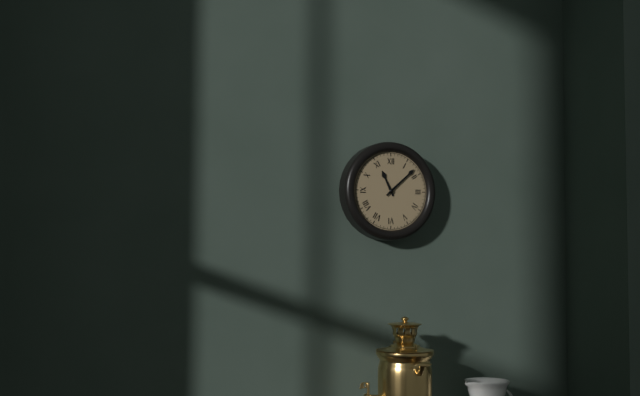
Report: {"hour": 11, "minute": 8}
